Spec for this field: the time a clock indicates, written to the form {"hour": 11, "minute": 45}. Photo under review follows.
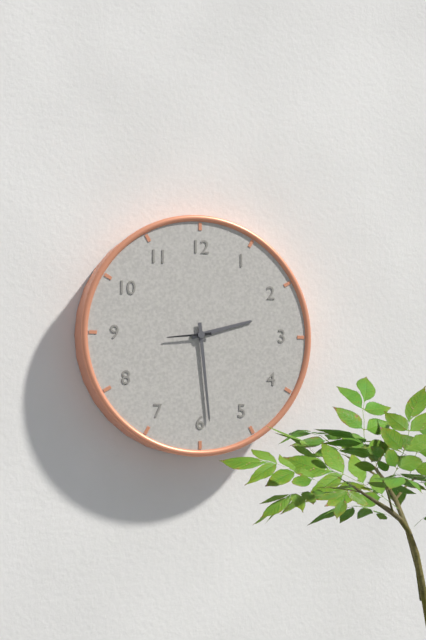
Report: {"hour": 2, "minute": 29}
